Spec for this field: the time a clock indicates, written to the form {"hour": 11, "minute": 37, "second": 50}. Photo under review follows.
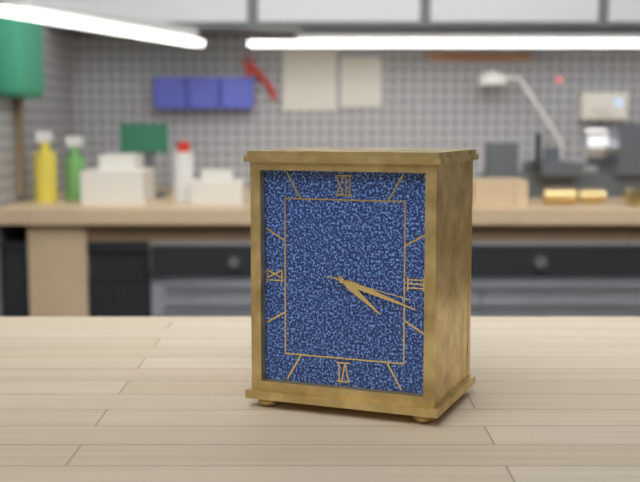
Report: {"hour": 4, "minute": 18, "second": 17}
